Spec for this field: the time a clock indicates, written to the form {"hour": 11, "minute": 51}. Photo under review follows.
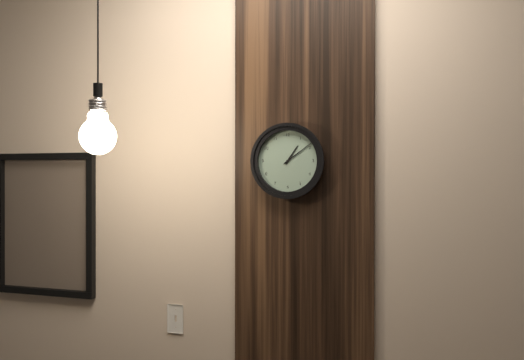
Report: {"hour": 1, "minute": 9}
